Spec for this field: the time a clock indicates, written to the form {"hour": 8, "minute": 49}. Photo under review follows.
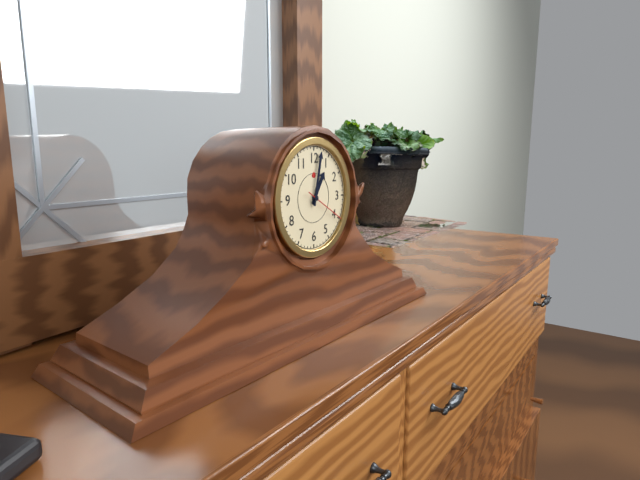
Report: {"hour": 1, "minute": 2}
